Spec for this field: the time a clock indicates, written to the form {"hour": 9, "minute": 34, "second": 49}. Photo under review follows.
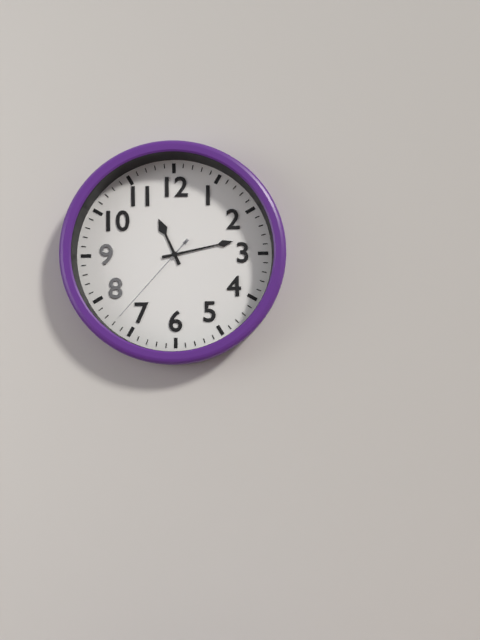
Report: {"hour": 11, "minute": 13, "second": 37}
